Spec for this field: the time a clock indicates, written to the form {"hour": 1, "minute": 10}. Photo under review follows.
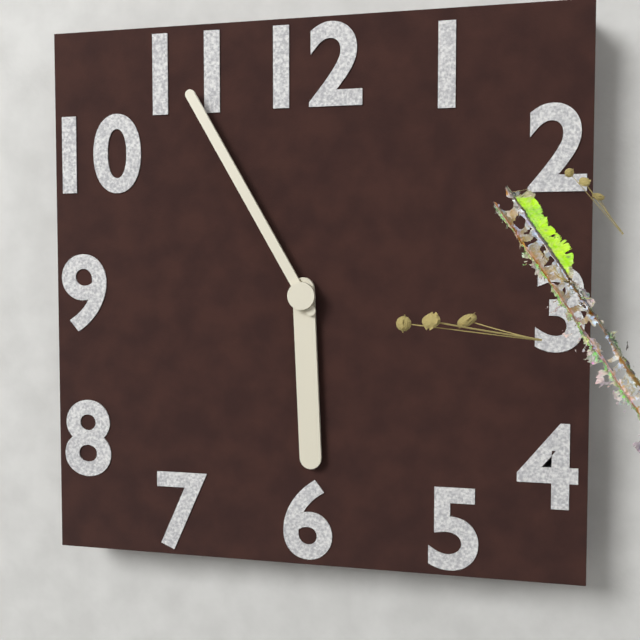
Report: {"hour": 5, "minute": 55}
